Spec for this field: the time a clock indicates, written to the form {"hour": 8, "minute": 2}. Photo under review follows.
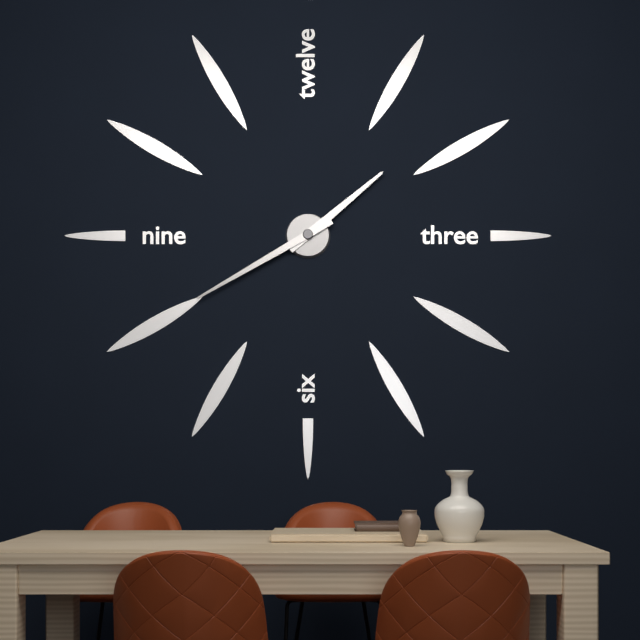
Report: {"hour": 1, "minute": 40}
